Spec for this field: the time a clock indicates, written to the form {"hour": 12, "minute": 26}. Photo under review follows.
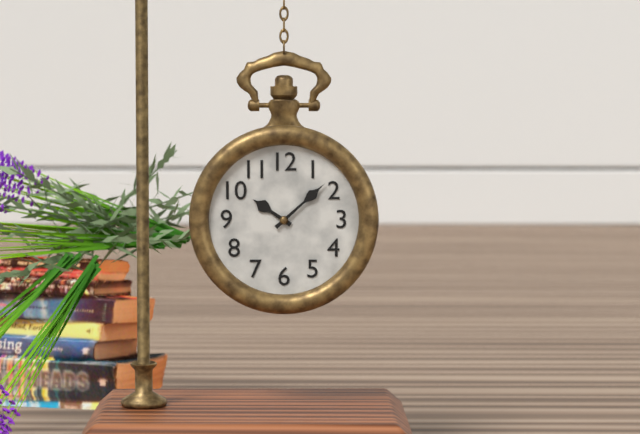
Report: {"hour": 10, "minute": 8}
